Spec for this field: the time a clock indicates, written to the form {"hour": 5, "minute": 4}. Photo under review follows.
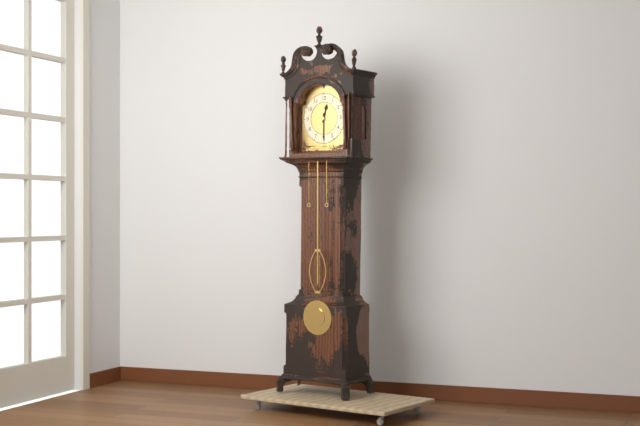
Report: {"hour": 12, "minute": 30}
